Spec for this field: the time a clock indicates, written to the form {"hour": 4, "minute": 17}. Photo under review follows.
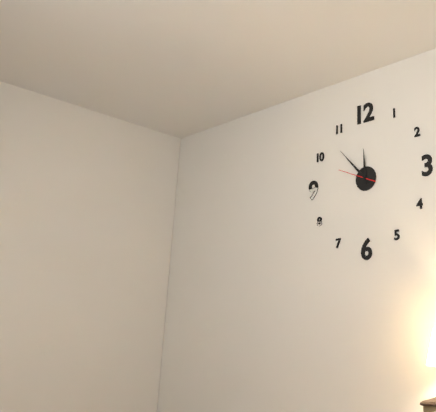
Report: {"hour": 11, "minute": 53}
